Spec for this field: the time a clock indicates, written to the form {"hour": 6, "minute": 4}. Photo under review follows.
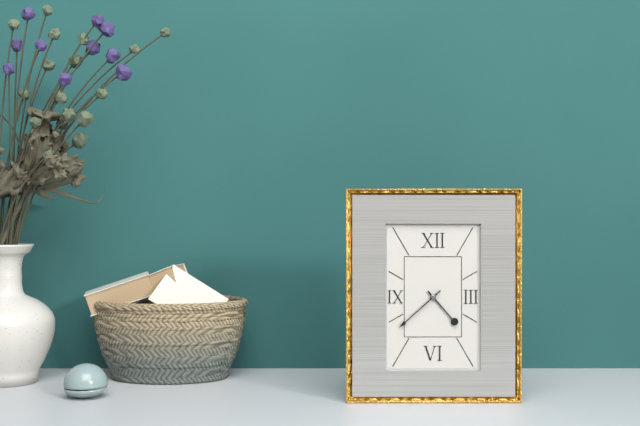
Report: {"hour": 4, "minute": 38}
